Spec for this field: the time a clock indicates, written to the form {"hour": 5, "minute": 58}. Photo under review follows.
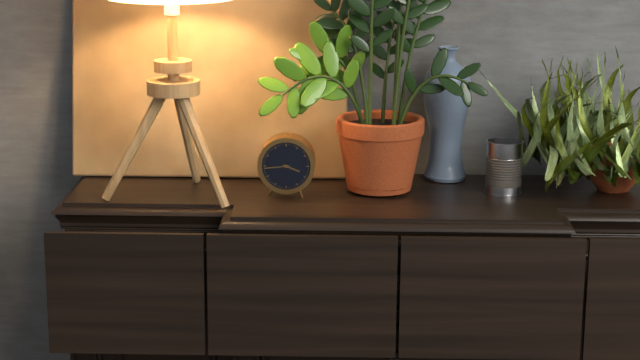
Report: {"hour": 3, "minute": 44}
